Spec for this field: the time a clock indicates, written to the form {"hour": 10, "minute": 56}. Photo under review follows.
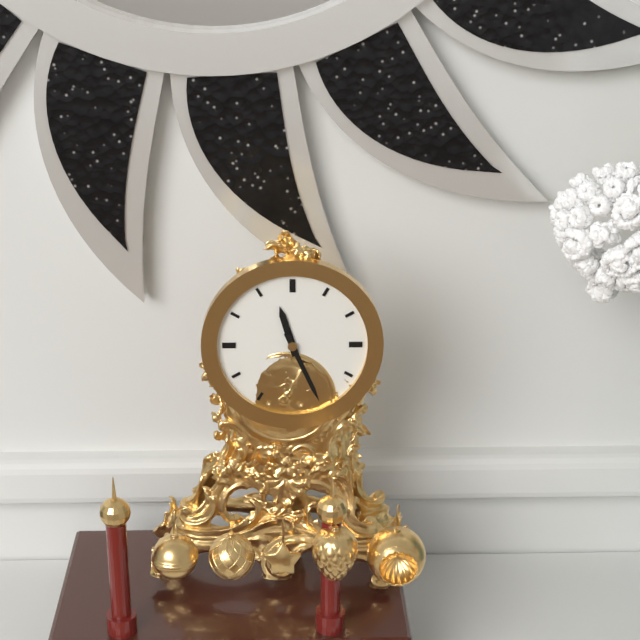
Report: {"hour": 11, "minute": 26}
